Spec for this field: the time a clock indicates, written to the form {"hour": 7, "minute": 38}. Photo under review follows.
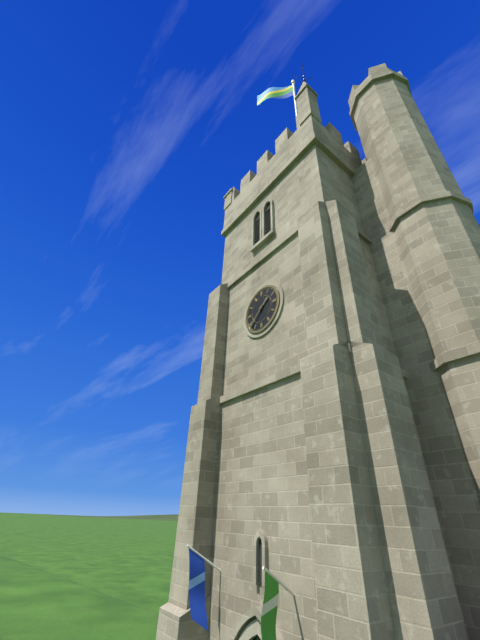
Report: {"hour": 1, "minute": 38}
